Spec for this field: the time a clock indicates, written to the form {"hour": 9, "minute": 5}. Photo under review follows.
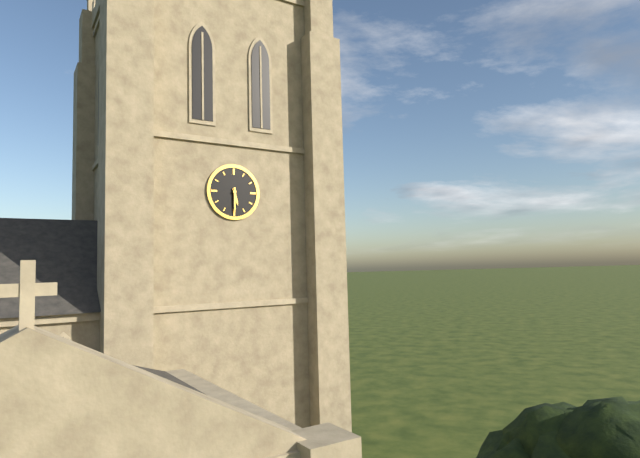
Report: {"hour": 5, "minute": 30}
